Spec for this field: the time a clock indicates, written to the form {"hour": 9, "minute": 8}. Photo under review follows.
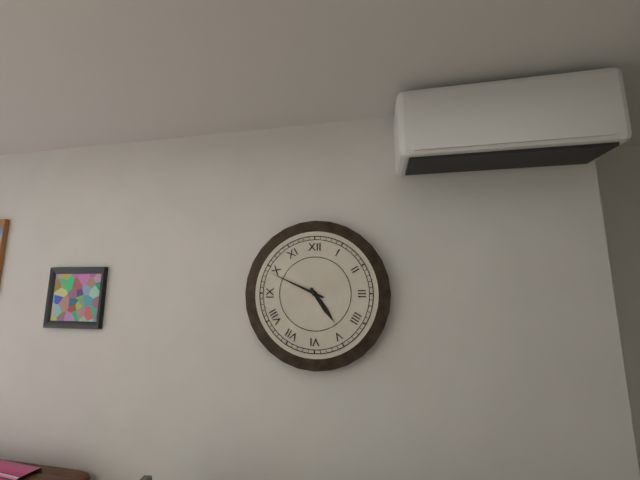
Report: {"hour": 4, "minute": 49}
